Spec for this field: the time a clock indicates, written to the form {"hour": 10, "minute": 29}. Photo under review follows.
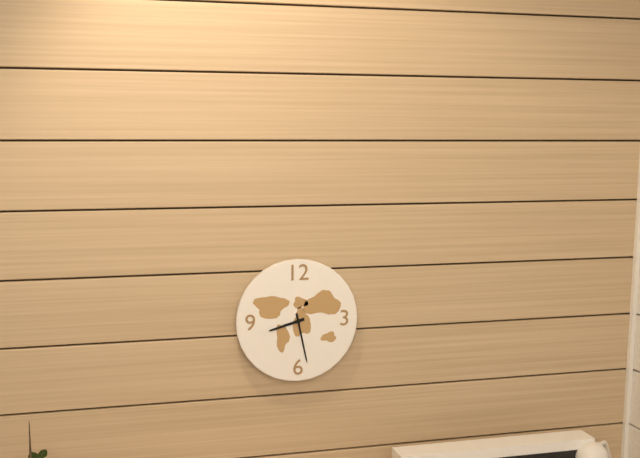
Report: {"hour": 8, "minute": 28}
